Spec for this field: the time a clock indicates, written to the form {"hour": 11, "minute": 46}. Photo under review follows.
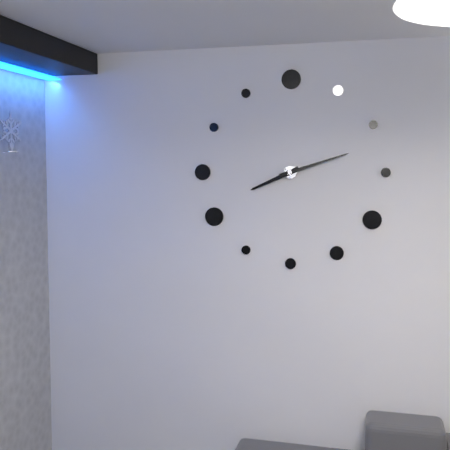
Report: {"hour": 8, "minute": 12}
